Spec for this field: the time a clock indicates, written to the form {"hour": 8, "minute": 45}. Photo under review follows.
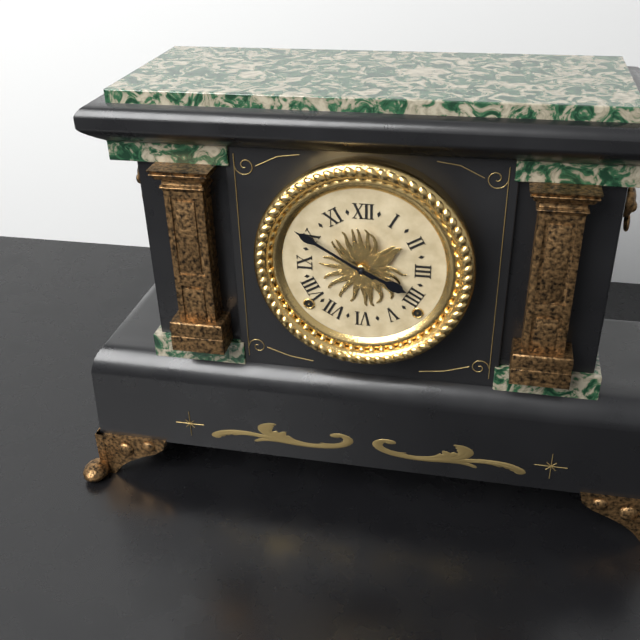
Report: {"hour": 3, "minute": 50}
